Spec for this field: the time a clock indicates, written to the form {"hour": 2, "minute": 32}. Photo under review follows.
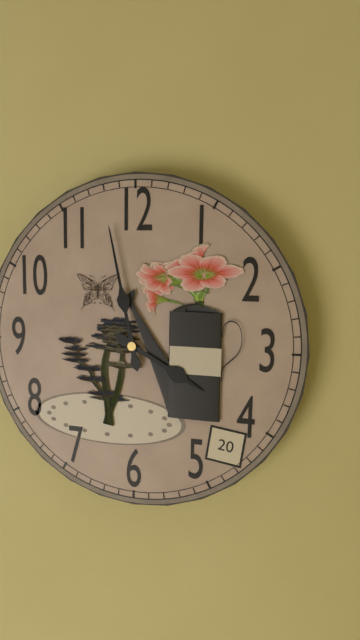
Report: {"hour": 3, "minute": 58}
